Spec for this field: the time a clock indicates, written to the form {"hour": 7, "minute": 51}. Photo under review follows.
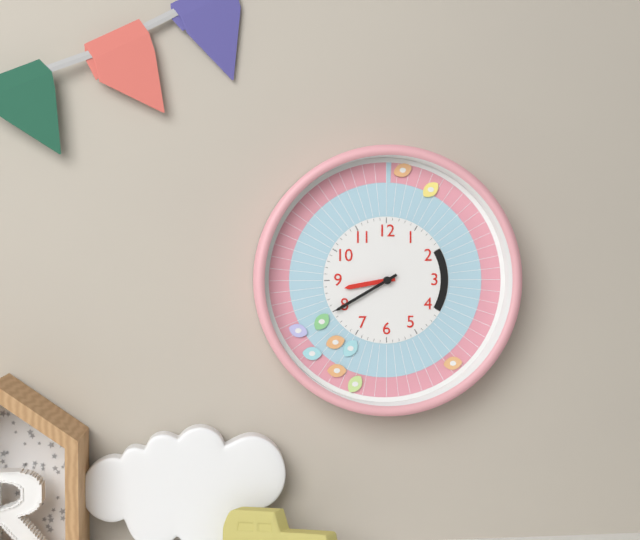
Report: {"hour": 8, "minute": 40}
